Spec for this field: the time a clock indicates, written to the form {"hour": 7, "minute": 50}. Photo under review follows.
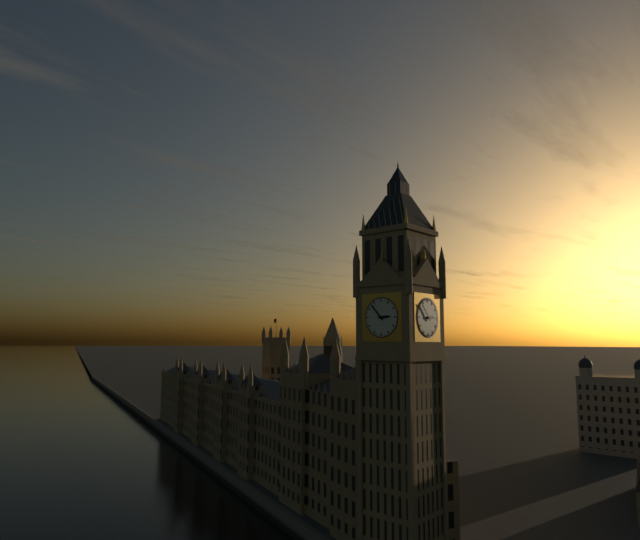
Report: {"hour": 2, "minute": 53}
